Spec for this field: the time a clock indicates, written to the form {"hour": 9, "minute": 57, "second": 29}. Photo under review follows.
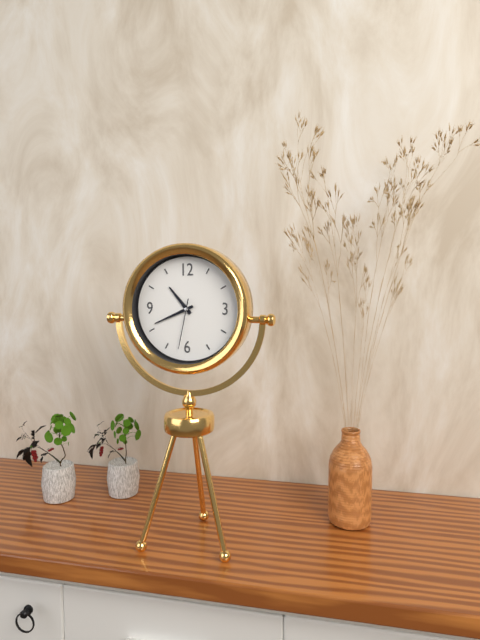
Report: {"hour": 10, "minute": 41, "second": 32}
